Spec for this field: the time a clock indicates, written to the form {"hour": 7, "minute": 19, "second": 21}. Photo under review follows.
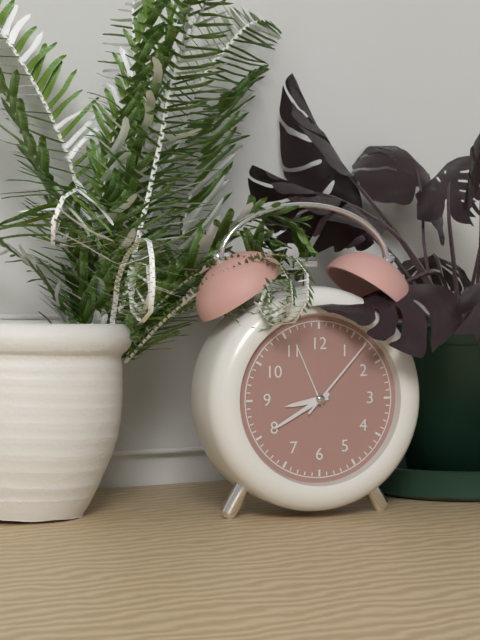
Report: {"hour": 8, "minute": 40, "second": 7}
